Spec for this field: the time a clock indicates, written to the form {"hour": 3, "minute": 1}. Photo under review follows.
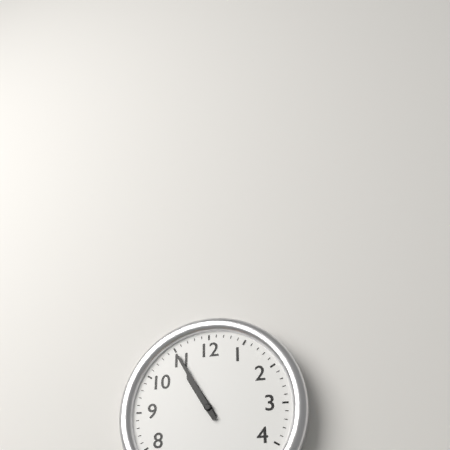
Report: {"hour": 10, "minute": 55}
